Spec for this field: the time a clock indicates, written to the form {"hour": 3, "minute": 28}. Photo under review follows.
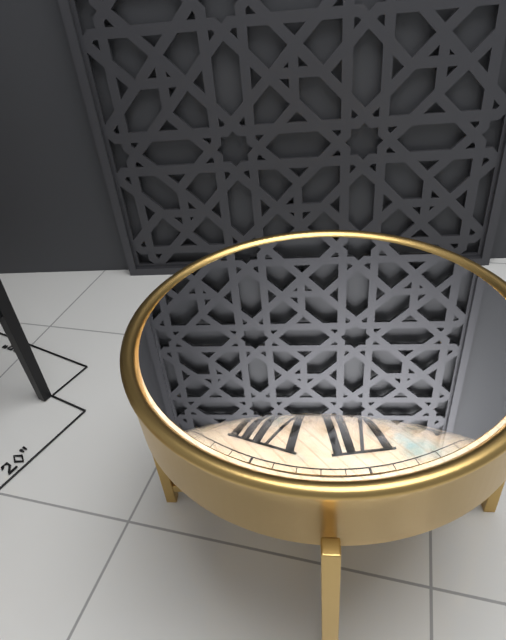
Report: {"hour": 12, "minute": 6}
